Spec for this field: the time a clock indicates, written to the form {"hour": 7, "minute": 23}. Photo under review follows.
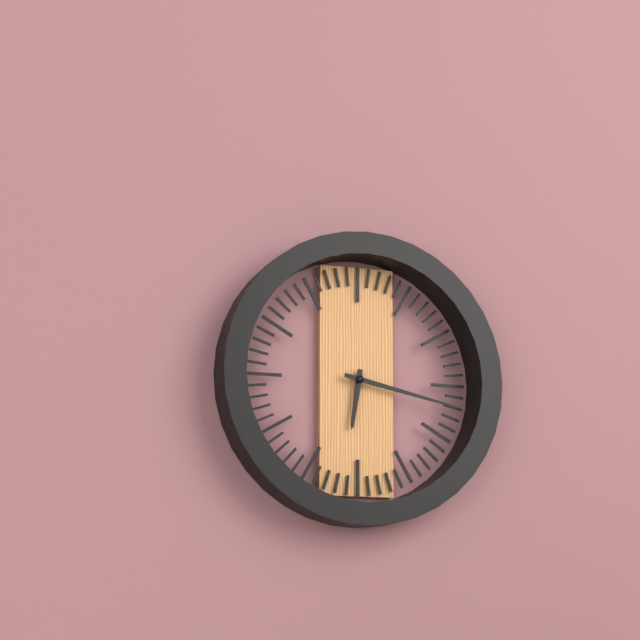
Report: {"hour": 6, "minute": 17}
